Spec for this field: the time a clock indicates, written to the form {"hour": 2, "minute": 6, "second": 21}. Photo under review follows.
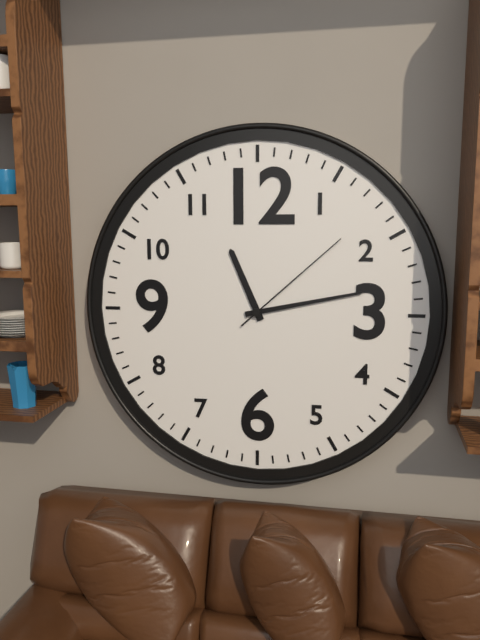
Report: {"hour": 11, "minute": 13, "second": 8}
